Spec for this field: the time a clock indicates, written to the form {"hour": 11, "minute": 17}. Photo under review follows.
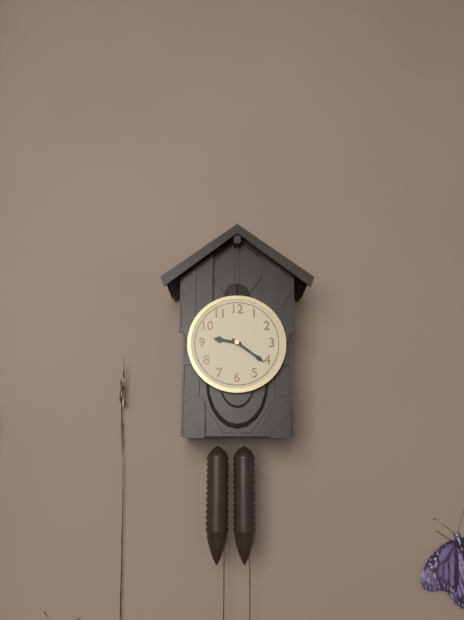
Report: {"hour": 9, "minute": 21}
